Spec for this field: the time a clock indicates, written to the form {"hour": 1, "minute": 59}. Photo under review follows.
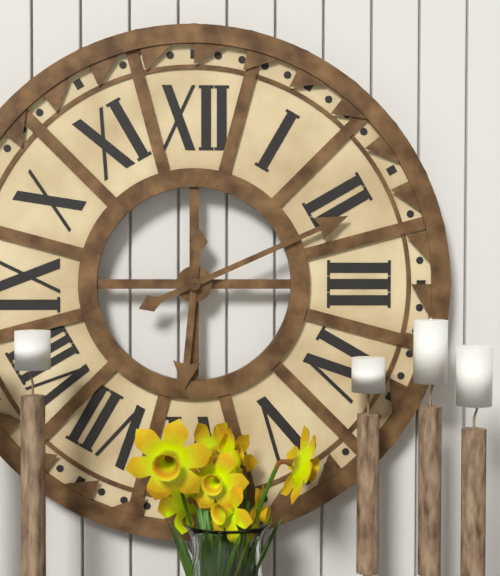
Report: {"hour": 6, "minute": 11}
